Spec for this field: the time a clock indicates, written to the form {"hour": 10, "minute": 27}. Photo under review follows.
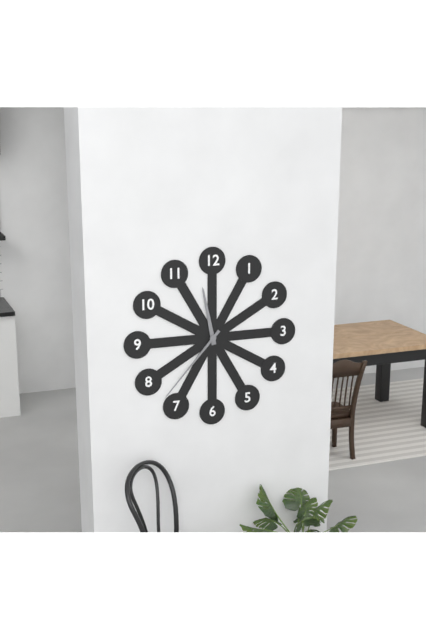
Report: {"hour": 11, "minute": 37}
